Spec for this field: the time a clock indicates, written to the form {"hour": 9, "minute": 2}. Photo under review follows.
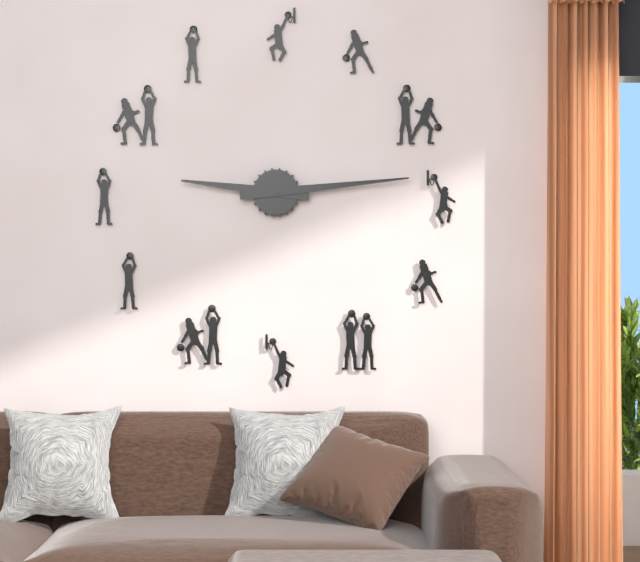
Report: {"hour": 9, "minute": 14}
